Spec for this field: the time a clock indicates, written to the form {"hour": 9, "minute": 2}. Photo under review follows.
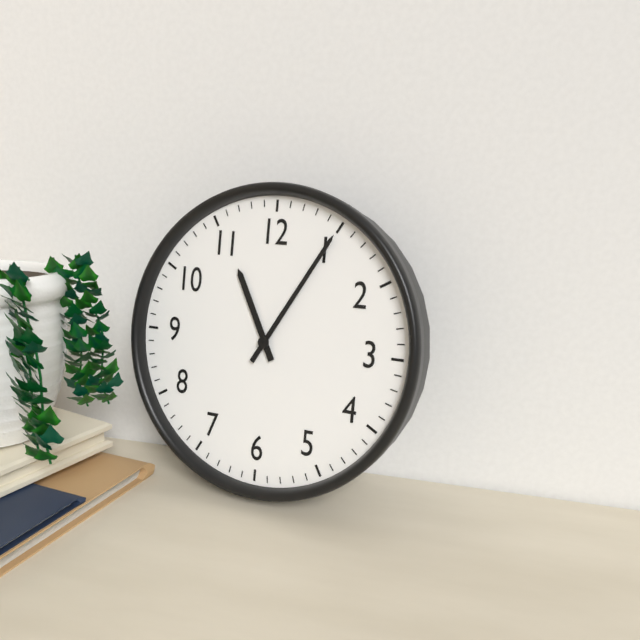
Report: {"hour": 11, "minute": 5}
